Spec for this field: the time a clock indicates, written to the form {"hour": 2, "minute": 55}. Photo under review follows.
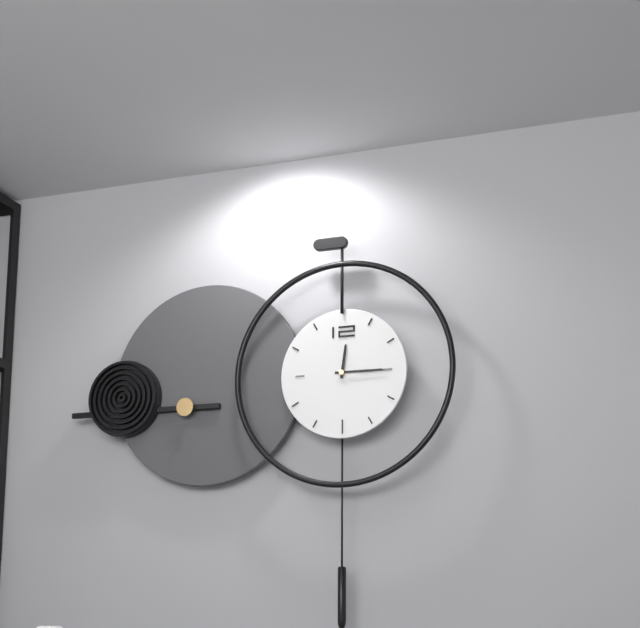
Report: {"hour": 12, "minute": 15}
